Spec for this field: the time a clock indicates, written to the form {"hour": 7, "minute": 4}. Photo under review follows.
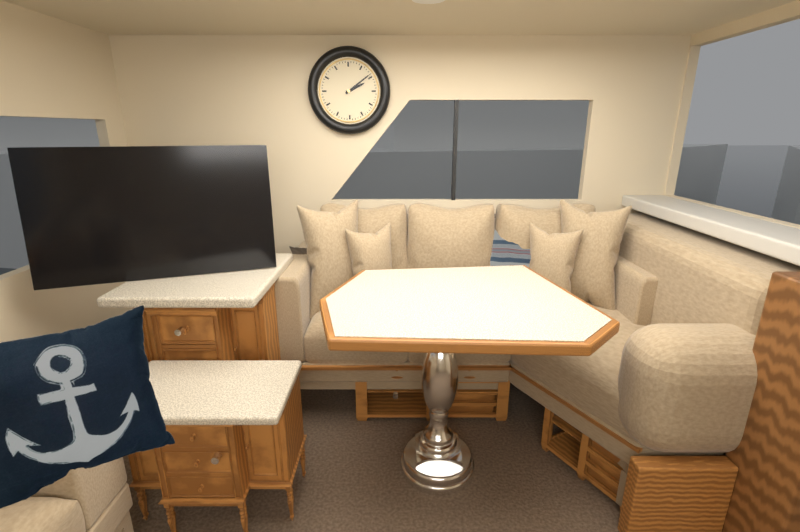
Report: {"hour": 2, "minute": 9}
